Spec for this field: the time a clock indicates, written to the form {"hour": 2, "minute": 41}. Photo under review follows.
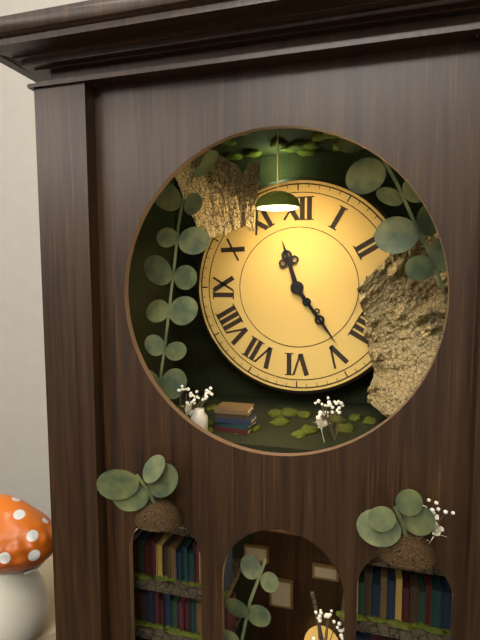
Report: {"hour": 11, "minute": 24}
